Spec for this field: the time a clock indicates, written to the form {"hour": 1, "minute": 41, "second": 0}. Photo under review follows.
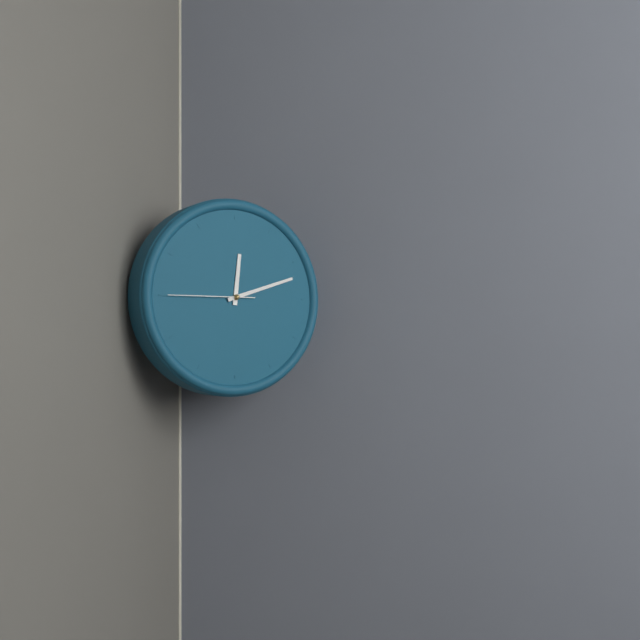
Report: {"hour": 12, "minute": 12, "second": 45}
